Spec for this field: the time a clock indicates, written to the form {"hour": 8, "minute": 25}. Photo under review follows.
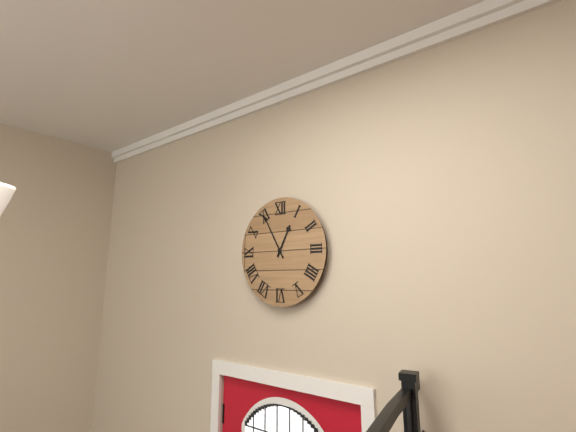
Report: {"hour": 12, "minute": 55}
